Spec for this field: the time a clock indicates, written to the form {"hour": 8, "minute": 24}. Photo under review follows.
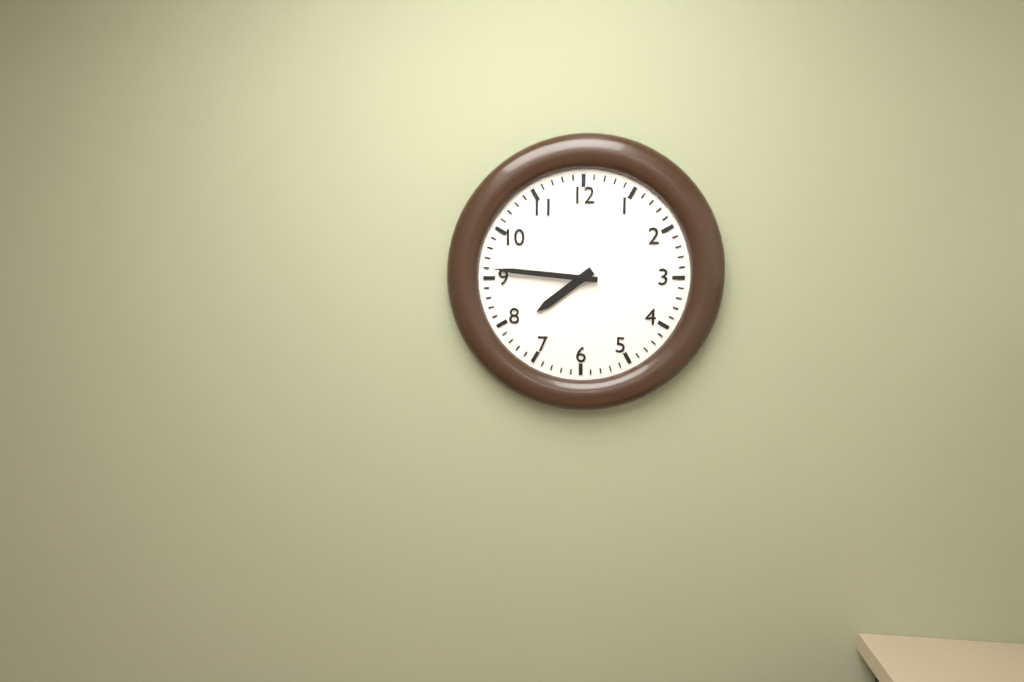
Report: {"hour": 7, "minute": 46}
